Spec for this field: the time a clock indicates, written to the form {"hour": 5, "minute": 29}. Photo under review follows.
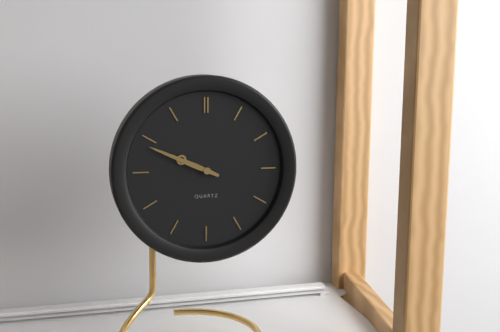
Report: {"hour": 9, "minute": 49}
